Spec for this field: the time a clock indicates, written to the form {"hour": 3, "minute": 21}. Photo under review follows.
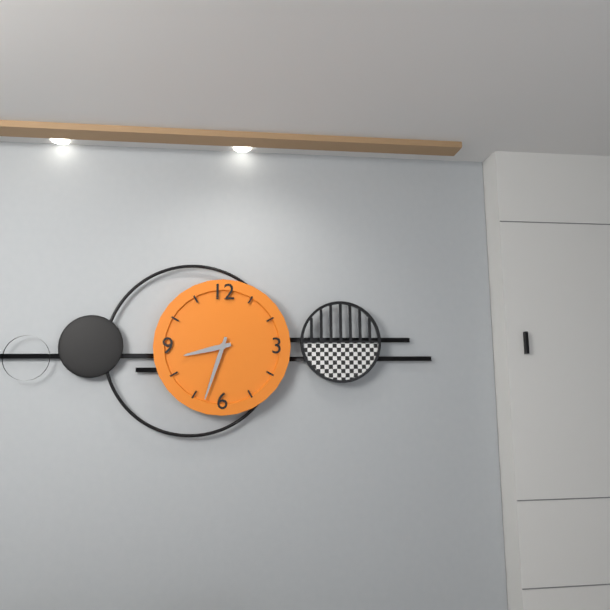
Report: {"hour": 8, "minute": 33}
